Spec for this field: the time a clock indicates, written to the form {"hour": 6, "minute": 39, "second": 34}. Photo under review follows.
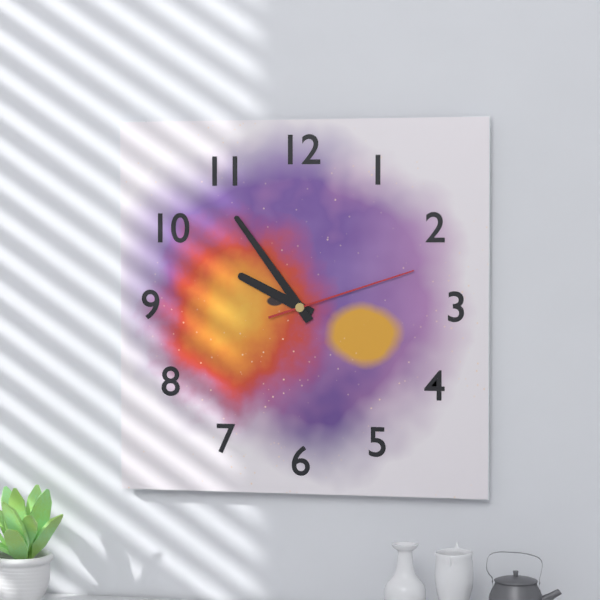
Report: {"hour": 9, "minute": 54, "second": 12}
